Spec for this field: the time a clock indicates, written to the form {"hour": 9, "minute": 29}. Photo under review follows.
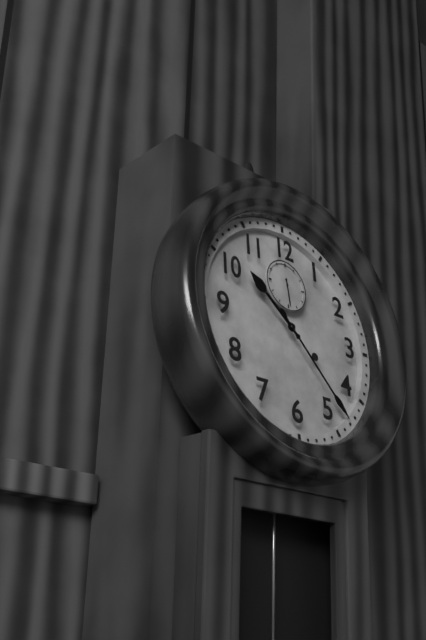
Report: {"hour": 10, "minute": 23}
